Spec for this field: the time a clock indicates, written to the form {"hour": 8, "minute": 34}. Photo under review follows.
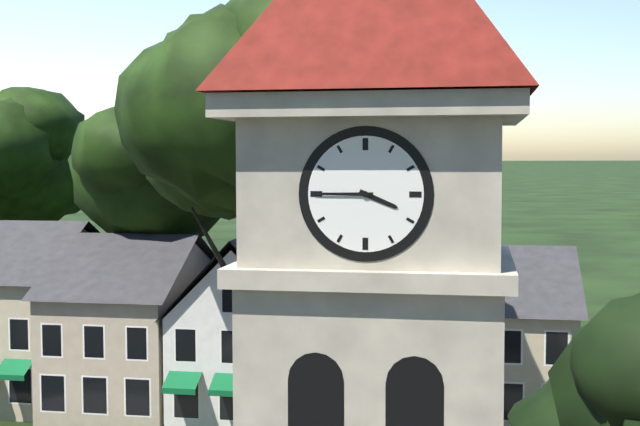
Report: {"hour": 3, "minute": 45}
